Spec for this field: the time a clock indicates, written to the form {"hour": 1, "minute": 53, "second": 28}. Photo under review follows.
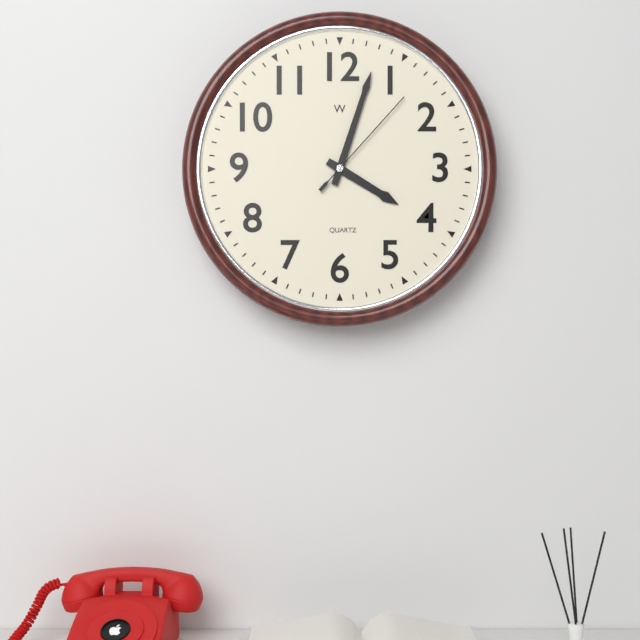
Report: {"hour": 4, "minute": 3, "second": 7}
